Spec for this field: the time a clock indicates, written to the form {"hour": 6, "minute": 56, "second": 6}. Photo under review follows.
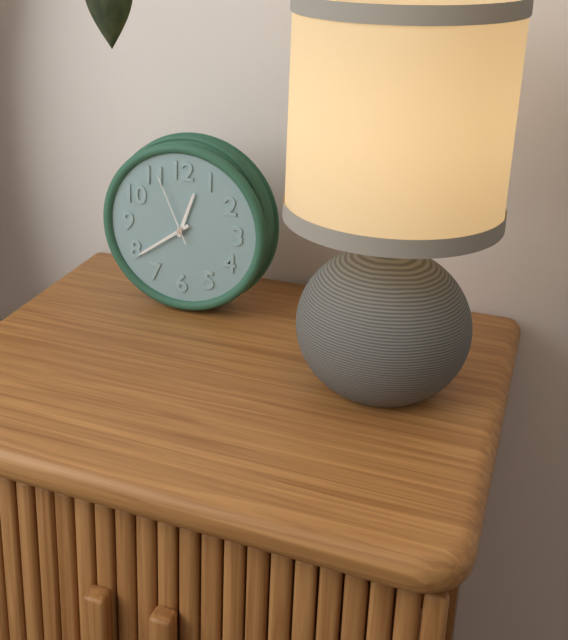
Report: {"hour": 12, "minute": 39, "second": 56}
